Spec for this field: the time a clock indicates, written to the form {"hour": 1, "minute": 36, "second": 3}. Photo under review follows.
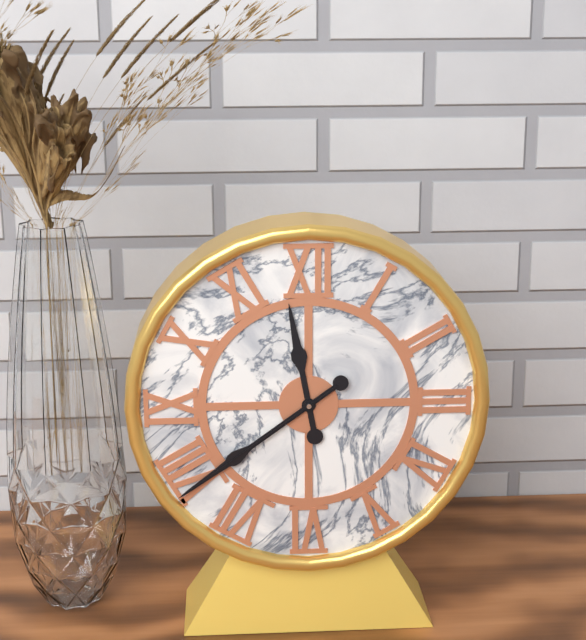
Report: {"hour": 11, "minute": 39, "second": 39}
